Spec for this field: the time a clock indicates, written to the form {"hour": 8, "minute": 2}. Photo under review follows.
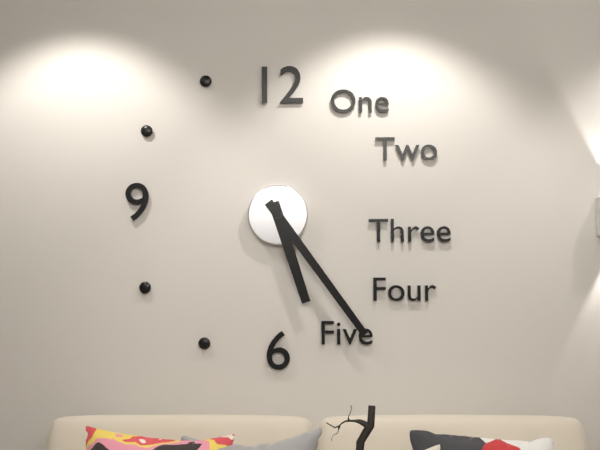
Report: {"hour": 5, "minute": 24}
